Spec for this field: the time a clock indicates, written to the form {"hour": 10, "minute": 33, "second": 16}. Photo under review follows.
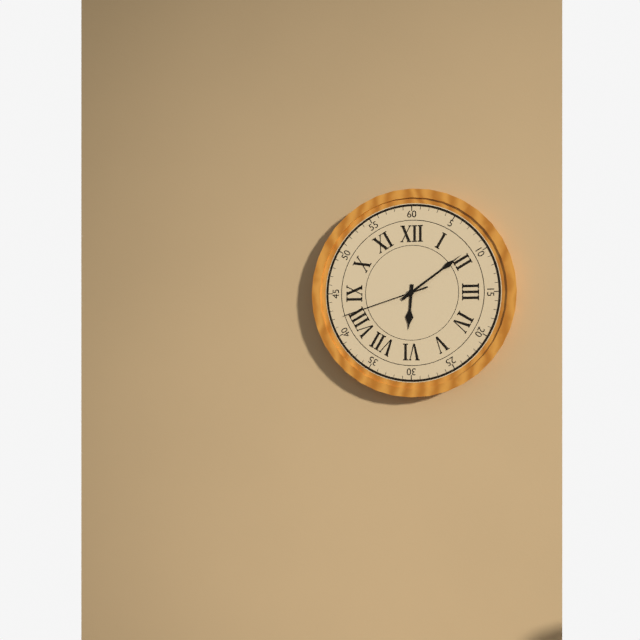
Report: {"hour": 6, "minute": 9, "second": 42}
